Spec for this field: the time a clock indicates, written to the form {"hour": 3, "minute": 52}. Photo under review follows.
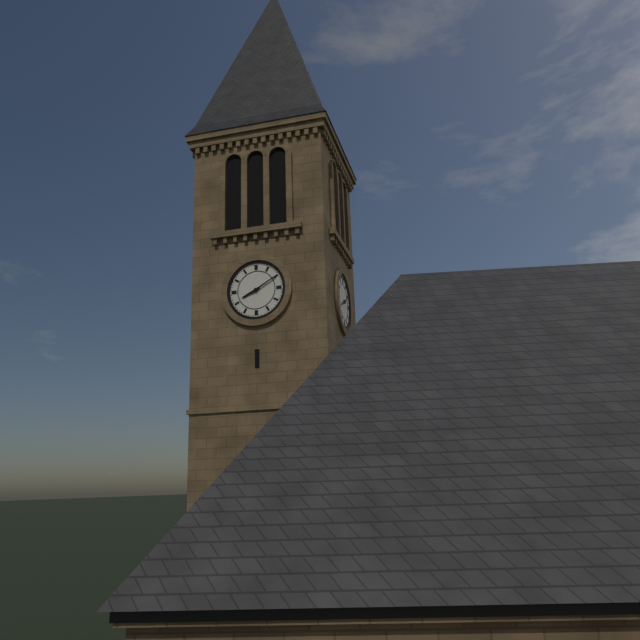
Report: {"hour": 8, "minute": 10}
